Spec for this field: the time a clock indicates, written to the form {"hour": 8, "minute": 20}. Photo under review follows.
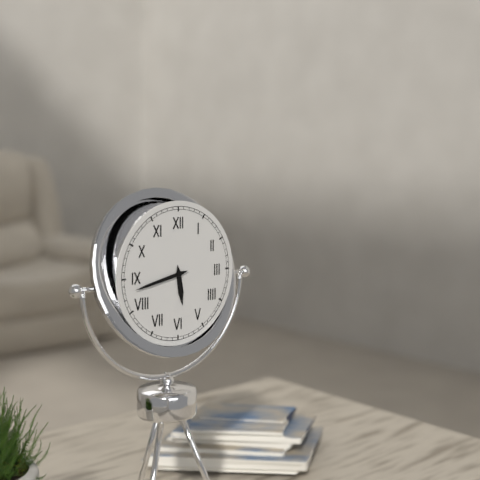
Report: {"hour": 5, "minute": 43}
